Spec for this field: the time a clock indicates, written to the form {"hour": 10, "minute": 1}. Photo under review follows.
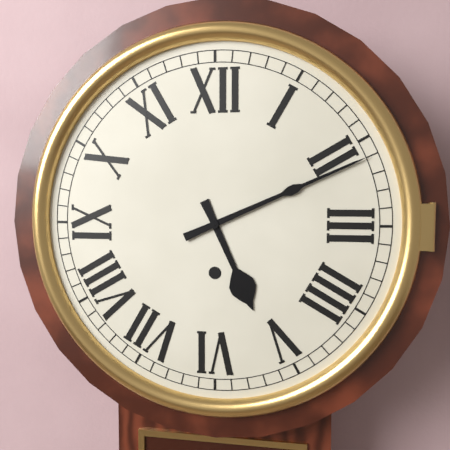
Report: {"hour": 5, "minute": 11}
